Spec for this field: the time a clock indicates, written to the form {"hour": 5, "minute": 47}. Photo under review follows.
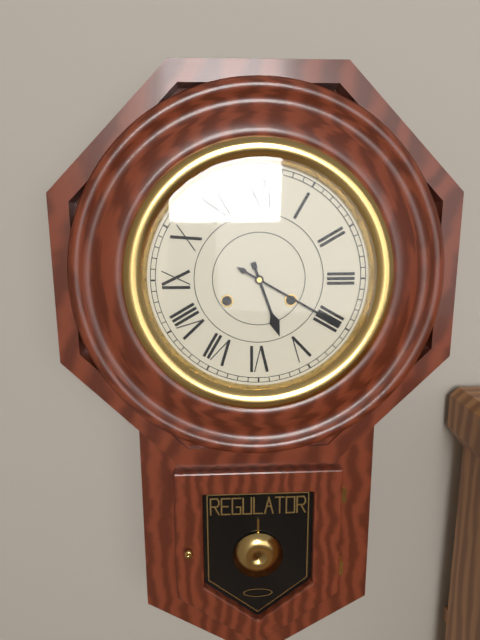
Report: {"hour": 5, "minute": 20}
